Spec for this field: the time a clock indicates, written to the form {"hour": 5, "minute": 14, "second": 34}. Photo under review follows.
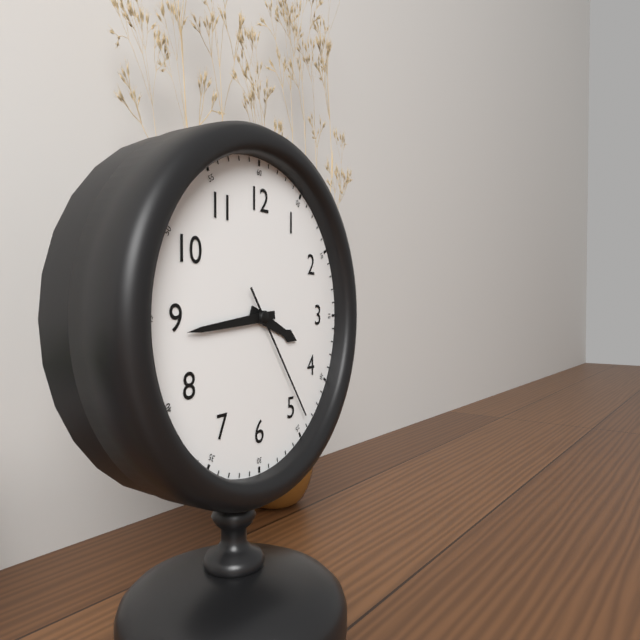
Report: {"hour": 3, "minute": 44, "second": 24}
